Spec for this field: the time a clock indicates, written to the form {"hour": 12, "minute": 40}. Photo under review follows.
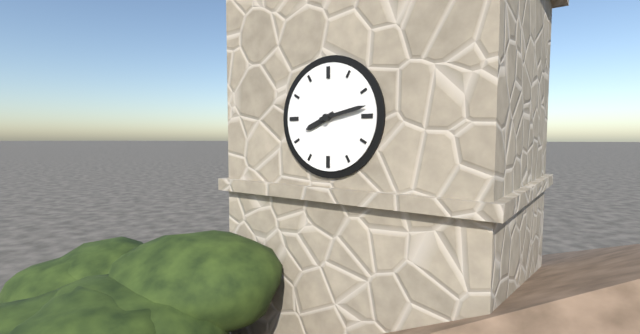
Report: {"hour": 8, "minute": 13}
